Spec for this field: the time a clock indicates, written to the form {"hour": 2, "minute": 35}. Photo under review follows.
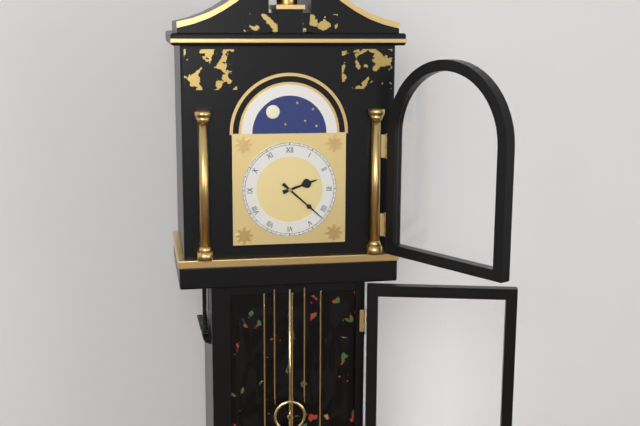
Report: {"hour": 2, "minute": 22}
